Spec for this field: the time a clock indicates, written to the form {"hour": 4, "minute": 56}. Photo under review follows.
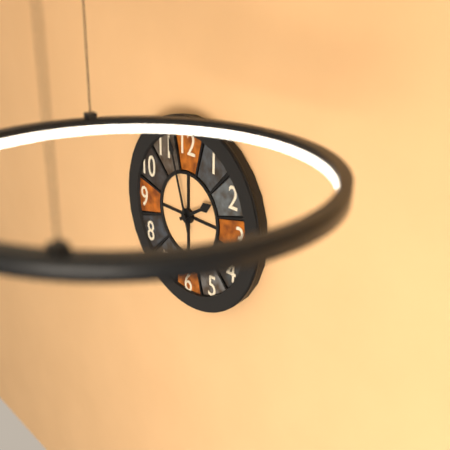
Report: {"hour": 1, "minute": 57}
